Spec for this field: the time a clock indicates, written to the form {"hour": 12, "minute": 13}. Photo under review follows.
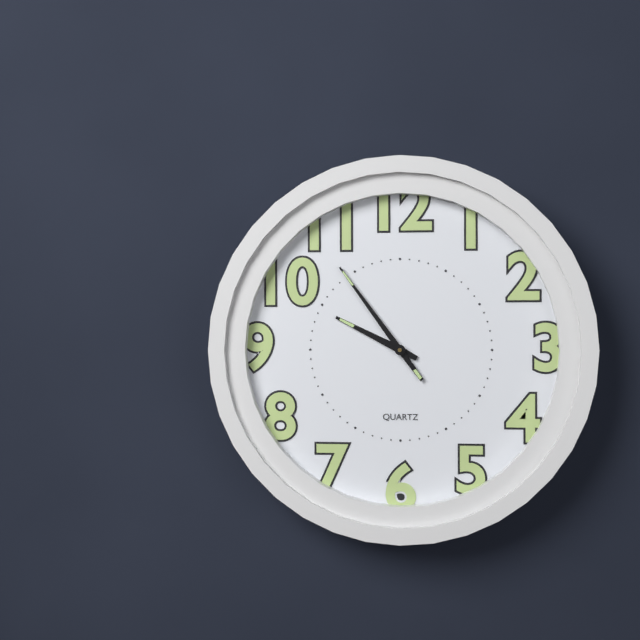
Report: {"hour": 9, "minute": 54}
